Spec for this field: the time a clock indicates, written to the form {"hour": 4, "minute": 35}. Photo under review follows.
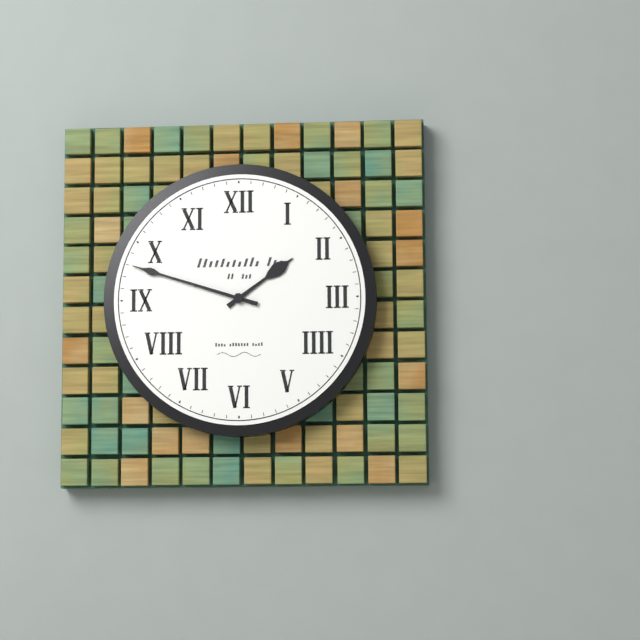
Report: {"hour": 1, "minute": 48}
